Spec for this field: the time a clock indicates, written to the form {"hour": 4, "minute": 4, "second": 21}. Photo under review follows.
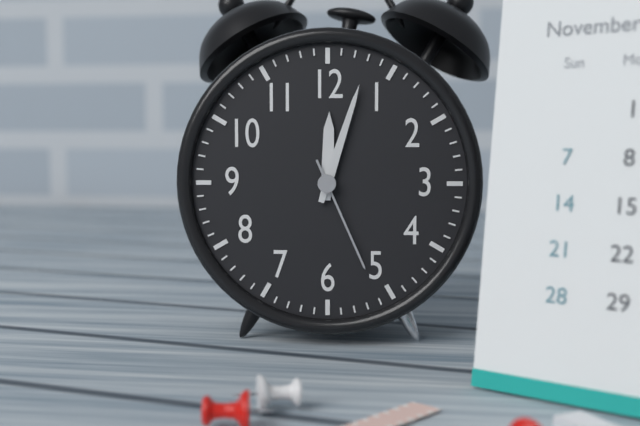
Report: {"hour": 12, "minute": 3, "second": 26}
